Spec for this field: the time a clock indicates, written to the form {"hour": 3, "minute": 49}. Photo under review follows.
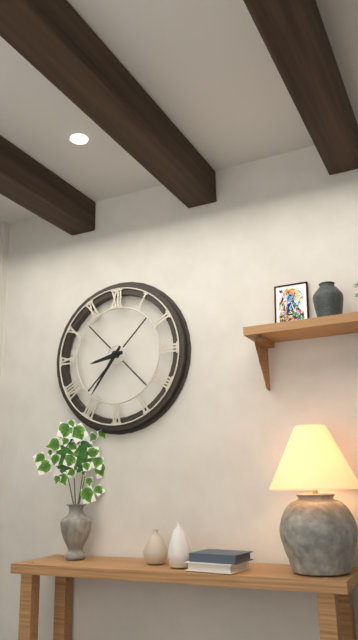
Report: {"hour": 8, "minute": 36}
